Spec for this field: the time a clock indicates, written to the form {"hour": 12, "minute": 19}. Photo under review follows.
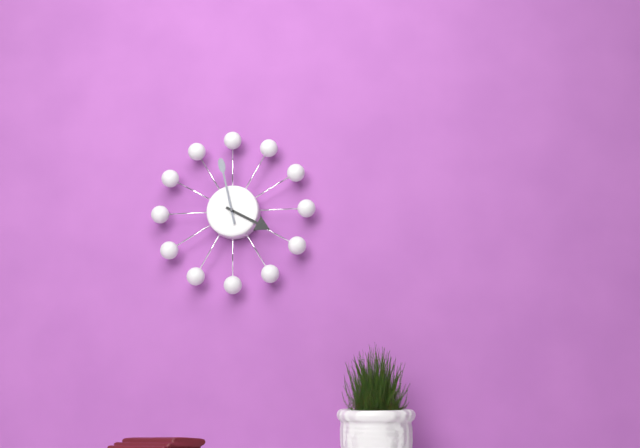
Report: {"hour": 3, "minute": 58}
